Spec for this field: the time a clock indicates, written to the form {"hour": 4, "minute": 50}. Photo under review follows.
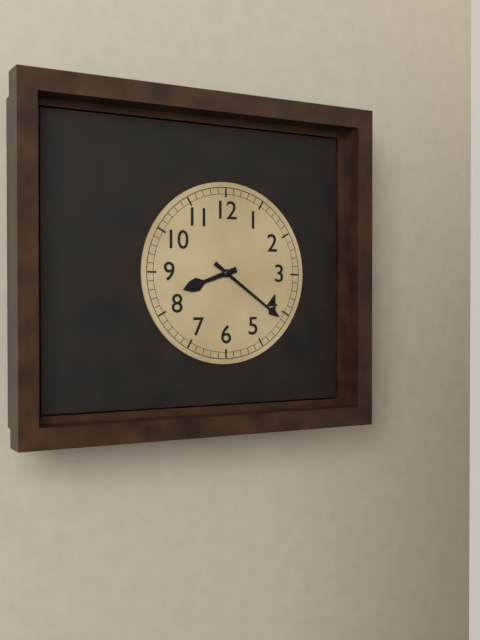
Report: {"hour": 8, "minute": 21}
